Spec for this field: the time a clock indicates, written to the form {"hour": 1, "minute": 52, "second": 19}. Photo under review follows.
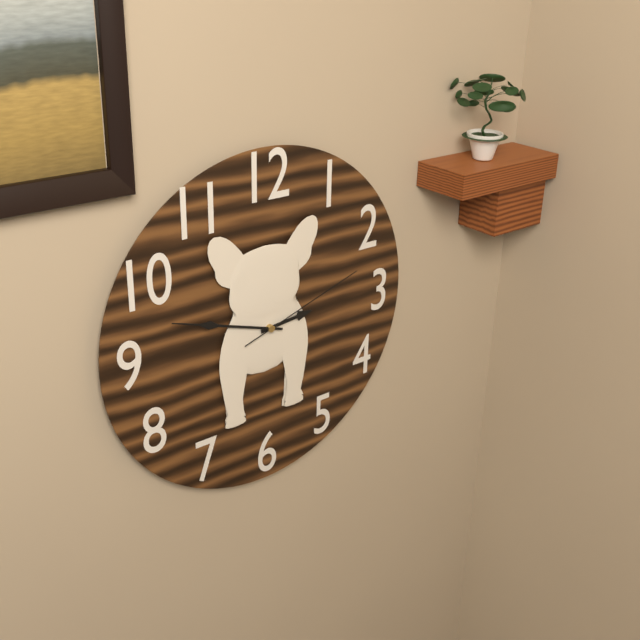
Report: {"hour": 2, "minute": 48, "second": 12}
